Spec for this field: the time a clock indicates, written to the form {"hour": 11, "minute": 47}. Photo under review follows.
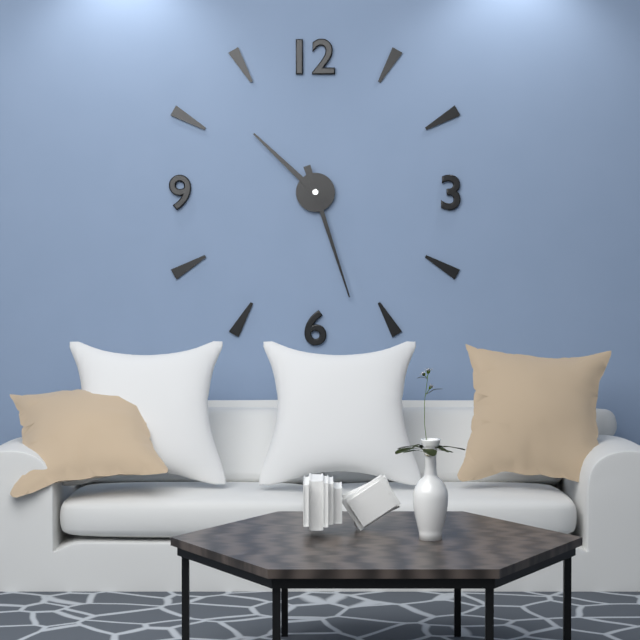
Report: {"hour": 10, "minute": 27}
